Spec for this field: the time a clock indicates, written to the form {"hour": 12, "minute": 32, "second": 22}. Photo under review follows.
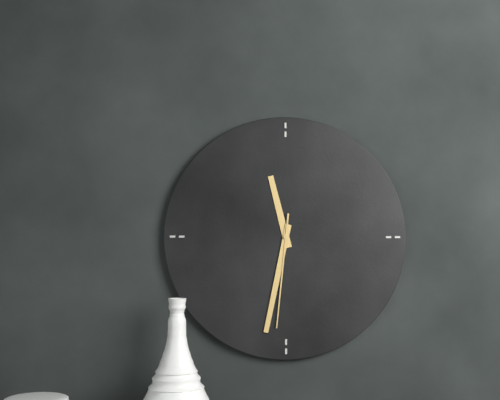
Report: {"hour": 11, "minute": 32, "second": 31}
